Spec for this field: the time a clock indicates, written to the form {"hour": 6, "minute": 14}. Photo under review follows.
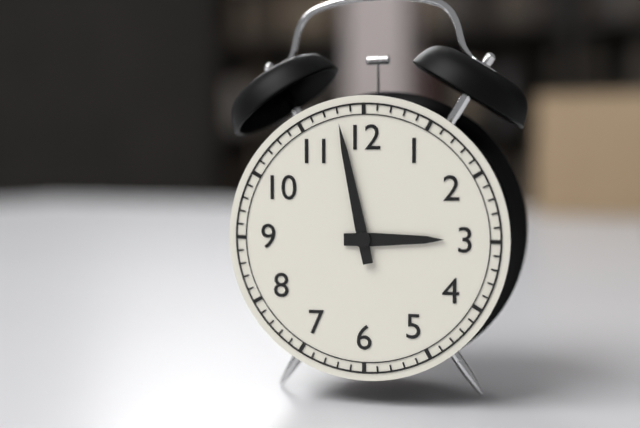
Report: {"hour": 2, "minute": 58}
